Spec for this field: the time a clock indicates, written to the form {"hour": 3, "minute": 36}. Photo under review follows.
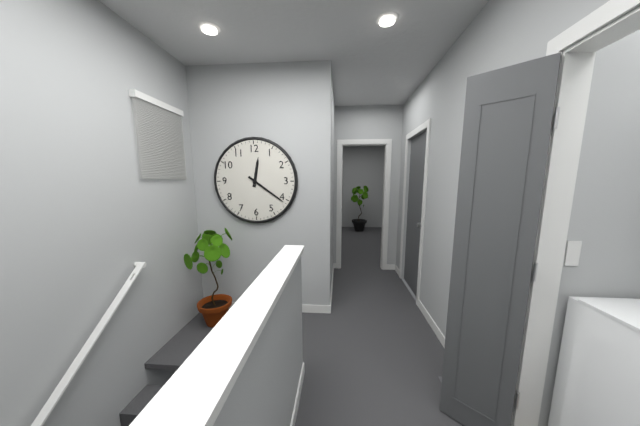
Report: {"hour": 12, "minute": 21}
